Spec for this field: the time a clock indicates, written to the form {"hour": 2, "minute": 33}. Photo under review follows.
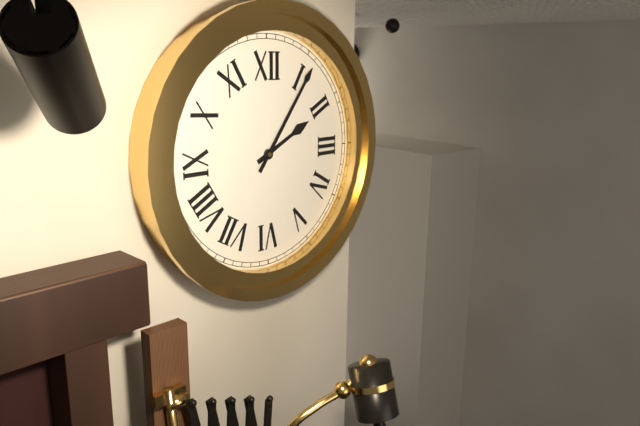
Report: {"hour": 2, "minute": 6}
